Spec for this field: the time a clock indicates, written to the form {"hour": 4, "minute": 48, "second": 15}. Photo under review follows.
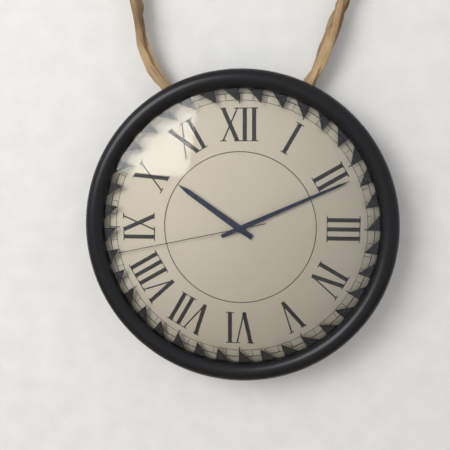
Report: {"hour": 10, "minute": 11, "second": 43}
